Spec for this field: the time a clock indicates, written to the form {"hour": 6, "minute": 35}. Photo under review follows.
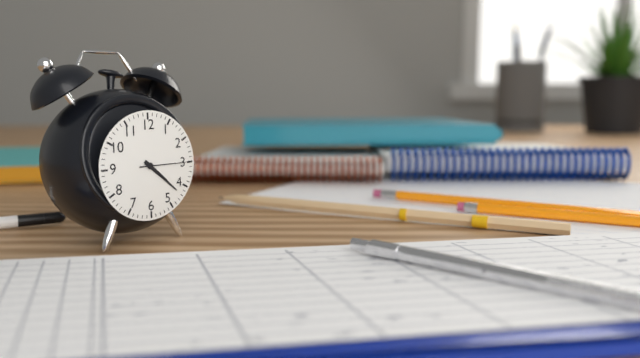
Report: {"hour": 4, "minute": 22}
